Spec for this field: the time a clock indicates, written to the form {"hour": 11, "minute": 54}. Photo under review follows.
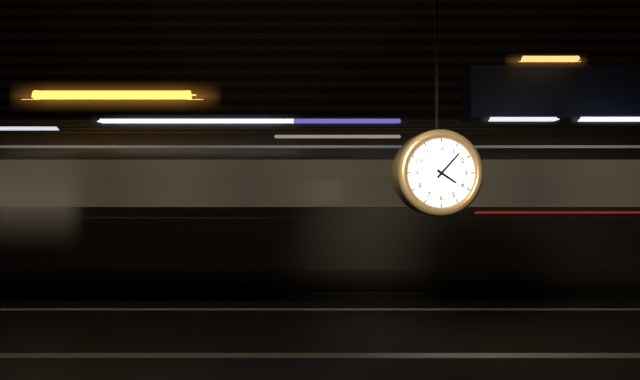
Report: {"hour": 4, "minute": 7}
